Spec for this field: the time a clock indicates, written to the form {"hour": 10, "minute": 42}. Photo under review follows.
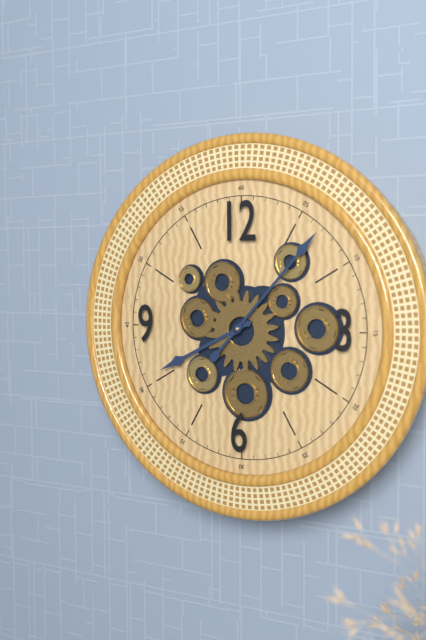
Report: {"hour": 8, "minute": 7}
